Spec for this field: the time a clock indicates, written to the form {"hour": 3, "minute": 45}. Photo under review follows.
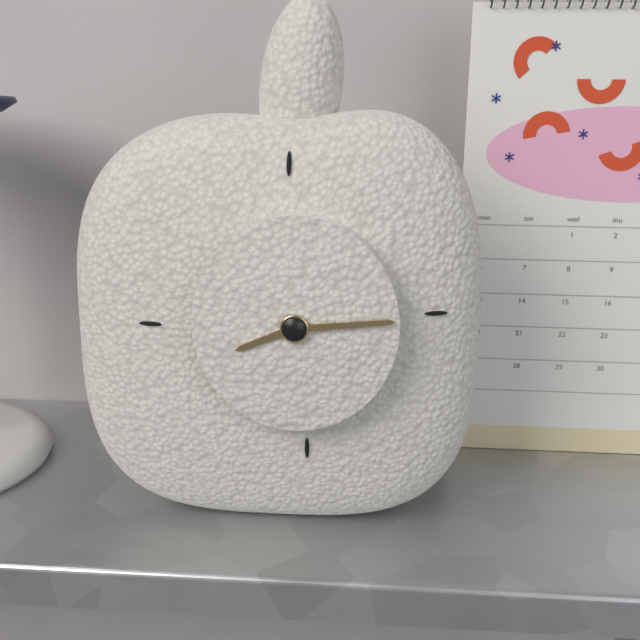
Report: {"hour": 8, "minute": 14}
